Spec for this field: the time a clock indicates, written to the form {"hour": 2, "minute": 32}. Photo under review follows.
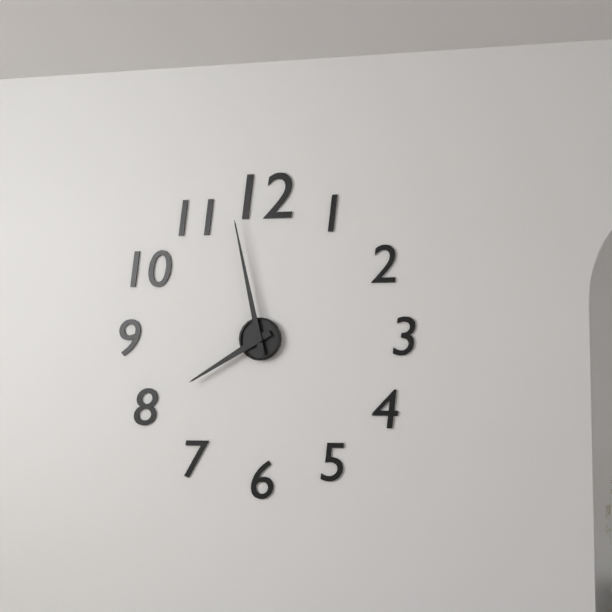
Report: {"hour": 7, "minute": 58}
